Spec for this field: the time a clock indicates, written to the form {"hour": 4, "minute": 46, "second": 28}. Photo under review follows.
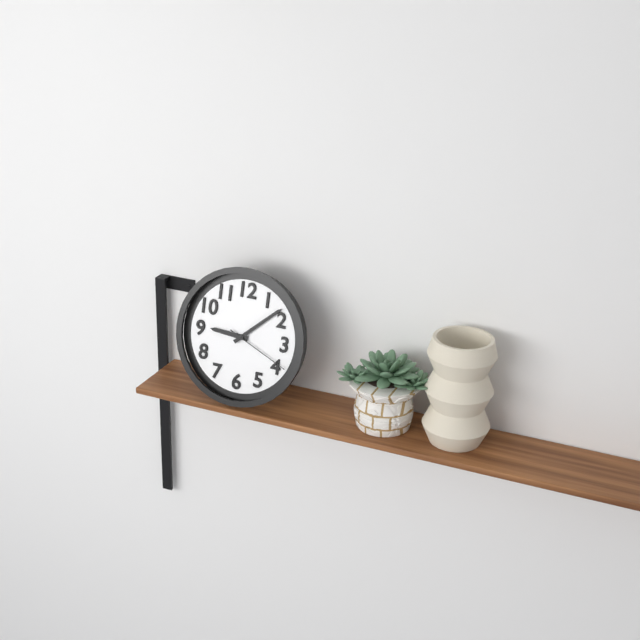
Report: {"hour": 9, "minute": 8, "second": 19}
